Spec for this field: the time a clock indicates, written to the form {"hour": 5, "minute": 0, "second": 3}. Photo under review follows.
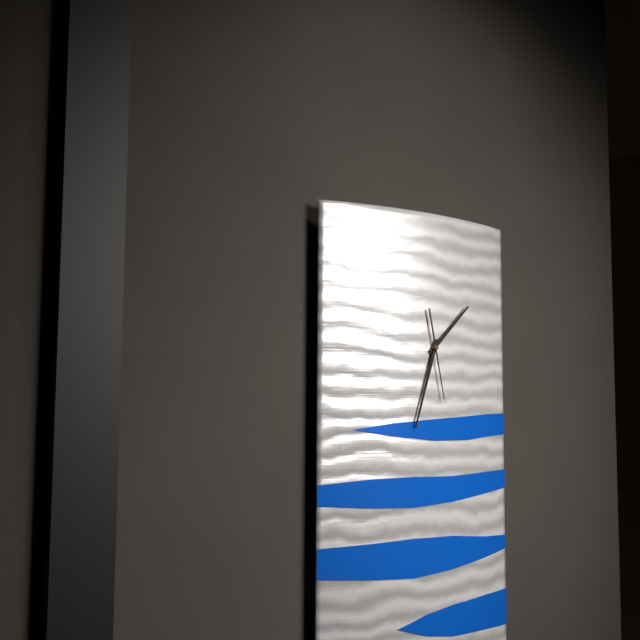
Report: {"hour": 1, "minute": 33, "second": 28}
